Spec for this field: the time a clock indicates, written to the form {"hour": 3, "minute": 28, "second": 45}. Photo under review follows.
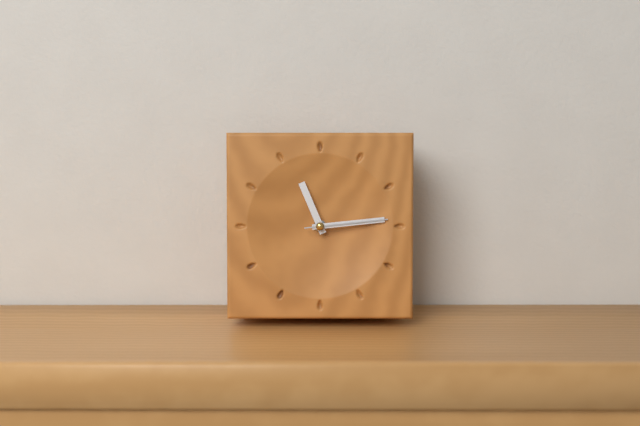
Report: {"hour": 11, "minute": 14, "second": 14}
